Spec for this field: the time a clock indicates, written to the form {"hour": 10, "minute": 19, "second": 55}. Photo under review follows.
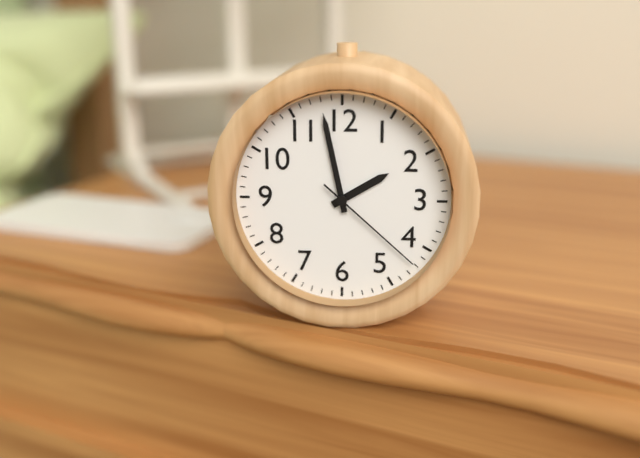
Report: {"hour": 1, "minute": 58, "second": 22}
